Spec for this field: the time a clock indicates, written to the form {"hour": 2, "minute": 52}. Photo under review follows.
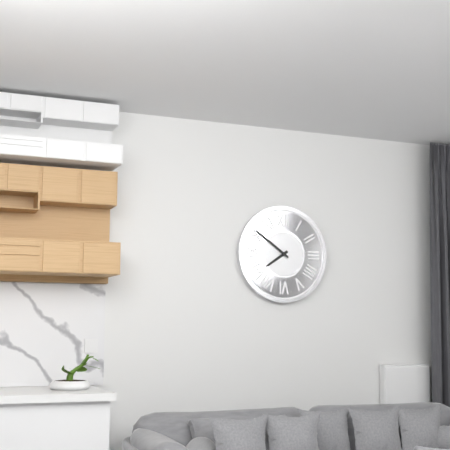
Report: {"hour": 7, "minute": 51}
